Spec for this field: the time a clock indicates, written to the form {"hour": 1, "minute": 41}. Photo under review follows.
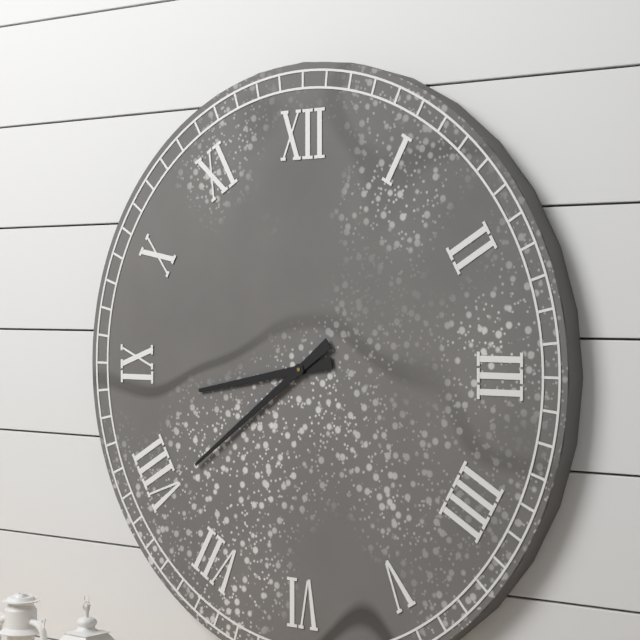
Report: {"hour": 8, "minute": 39}
